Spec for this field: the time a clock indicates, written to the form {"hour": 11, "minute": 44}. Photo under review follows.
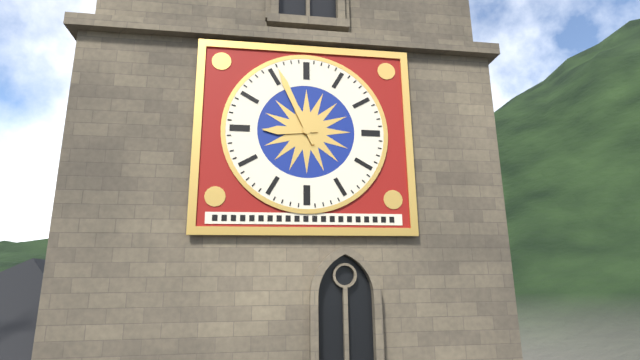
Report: {"hour": 8, "minute": 56}
